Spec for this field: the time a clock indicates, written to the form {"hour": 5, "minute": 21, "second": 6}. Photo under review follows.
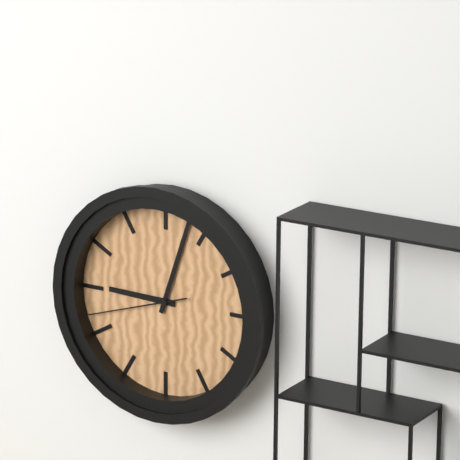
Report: {"hour": 9, "minute": 3, "second": 42}
